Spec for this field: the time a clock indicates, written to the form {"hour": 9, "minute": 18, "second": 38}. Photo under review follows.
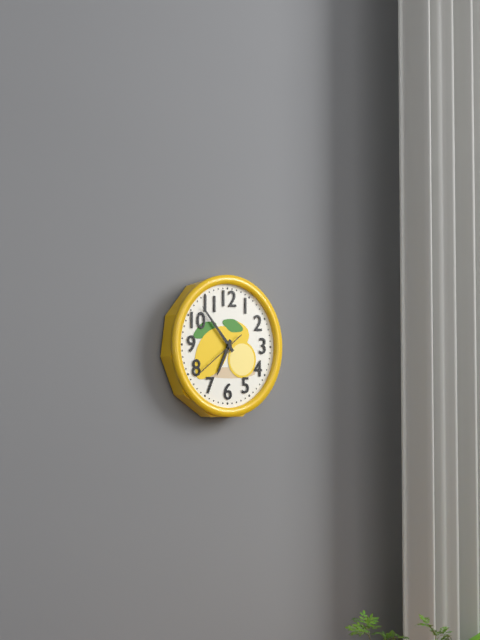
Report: {"hour": 6, "minute": 53, "second": 39}
